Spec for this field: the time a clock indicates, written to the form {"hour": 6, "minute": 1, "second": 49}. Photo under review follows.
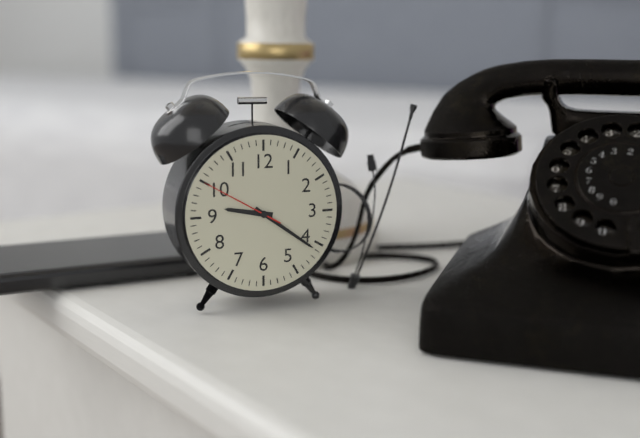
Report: {"hour": 9, "minute": 21, "second": 50}
